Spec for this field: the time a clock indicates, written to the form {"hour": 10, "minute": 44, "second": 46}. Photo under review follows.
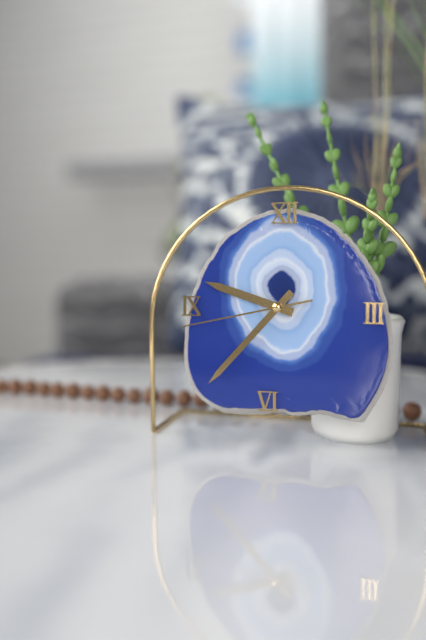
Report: {"hour": 9, "minute": 37, "second": 43}
